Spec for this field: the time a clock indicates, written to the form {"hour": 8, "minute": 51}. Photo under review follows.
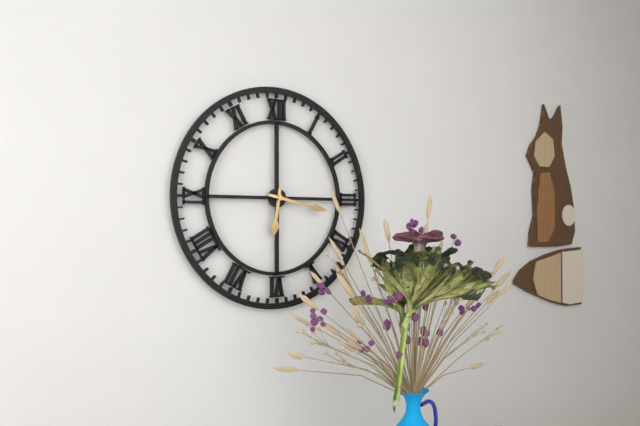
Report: {"hour": 6, "minute": 17}
